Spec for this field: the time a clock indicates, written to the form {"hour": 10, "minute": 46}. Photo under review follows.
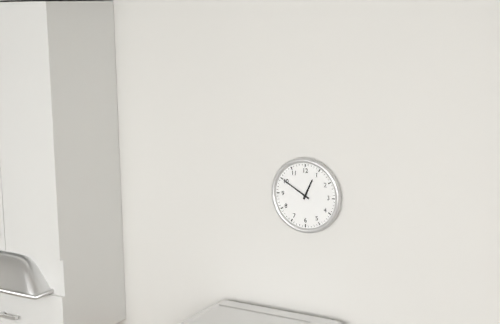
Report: {"hour": 12, "minute": 50}
